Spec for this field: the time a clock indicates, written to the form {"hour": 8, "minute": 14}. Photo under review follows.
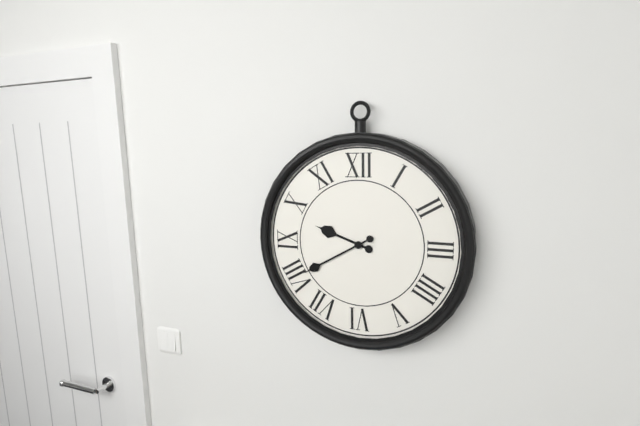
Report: {"hour": 9, "minute": 40}
